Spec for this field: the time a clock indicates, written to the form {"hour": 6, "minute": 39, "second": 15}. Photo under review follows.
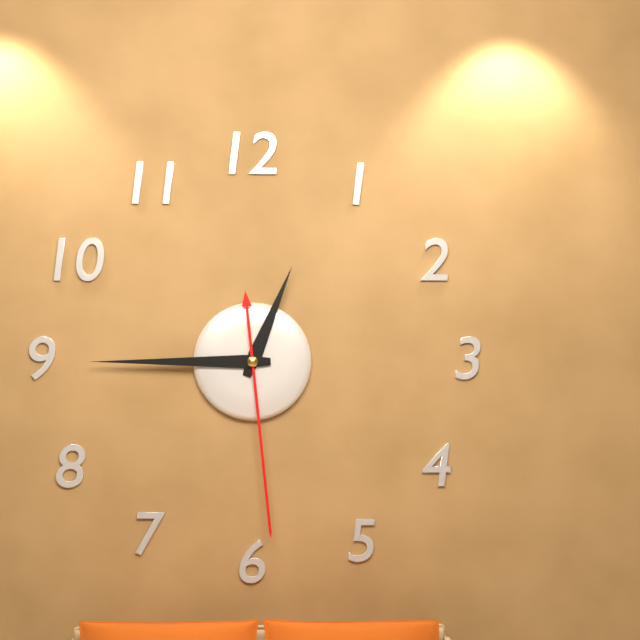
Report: {"hour": 12, "minute": 45, "second": 29}
